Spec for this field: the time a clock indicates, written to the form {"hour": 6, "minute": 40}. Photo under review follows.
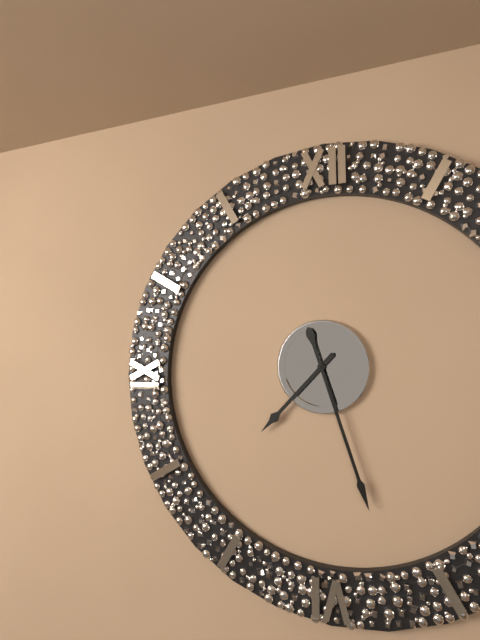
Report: {"hour": 7, "minute": 27}
